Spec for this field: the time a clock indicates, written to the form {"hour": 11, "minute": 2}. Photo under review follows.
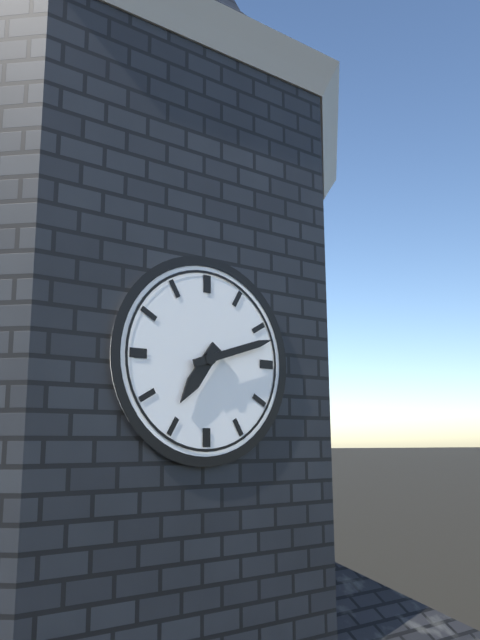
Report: {"hour": 7, "minute": 12}
